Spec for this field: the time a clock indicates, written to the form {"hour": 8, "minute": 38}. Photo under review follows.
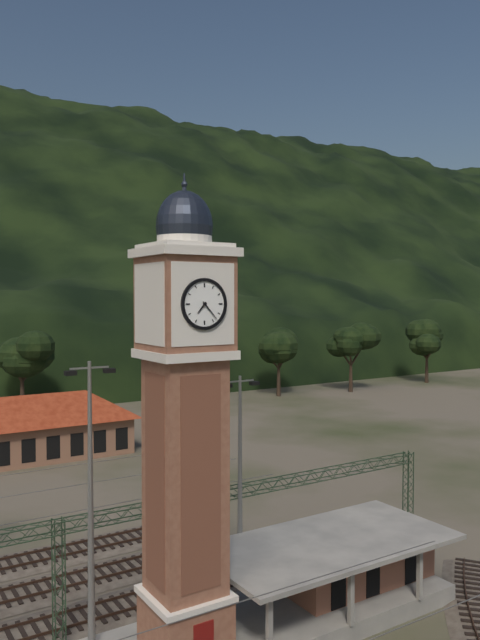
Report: {"hour": 7, "minute": 23}
